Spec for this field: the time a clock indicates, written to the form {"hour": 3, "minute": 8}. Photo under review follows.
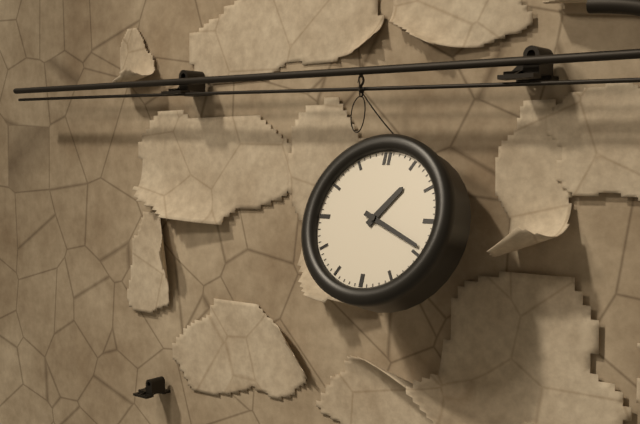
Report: {"hour": 1, "minute": 19}
